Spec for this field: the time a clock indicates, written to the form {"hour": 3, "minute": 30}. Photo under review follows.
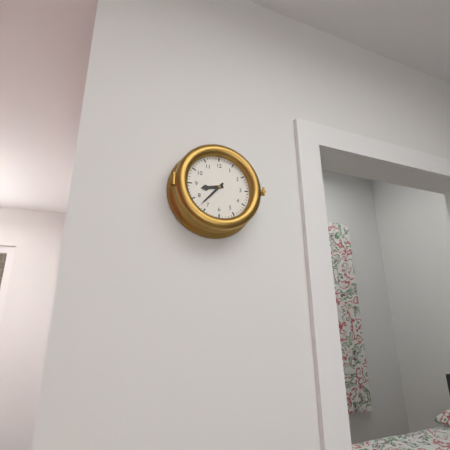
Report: {"hour": 8, "minute": 37}
